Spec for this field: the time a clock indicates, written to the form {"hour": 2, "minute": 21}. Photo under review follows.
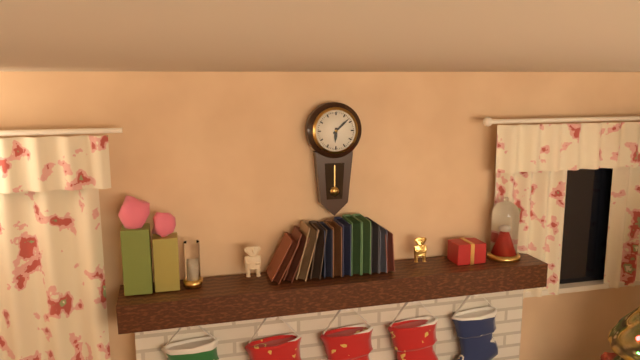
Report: {"hour": 6, "minute": 8}
